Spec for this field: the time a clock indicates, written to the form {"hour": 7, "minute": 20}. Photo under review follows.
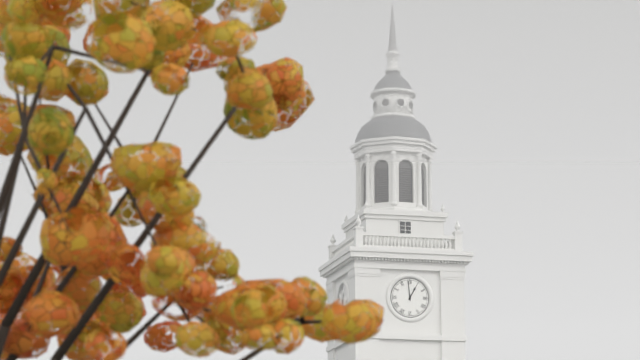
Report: {"hour": 12, "minute": 59}
